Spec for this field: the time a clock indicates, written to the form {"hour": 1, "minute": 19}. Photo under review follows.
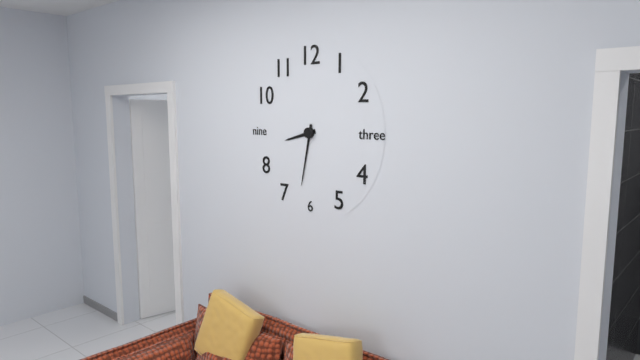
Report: {"hour": 8, "minute": 32}
